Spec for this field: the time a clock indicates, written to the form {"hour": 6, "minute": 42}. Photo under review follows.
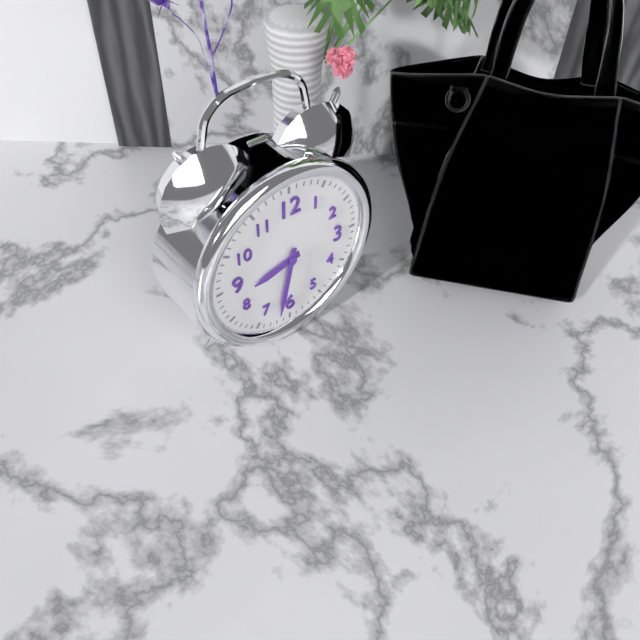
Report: {"hour": 8, "minute": 32}
